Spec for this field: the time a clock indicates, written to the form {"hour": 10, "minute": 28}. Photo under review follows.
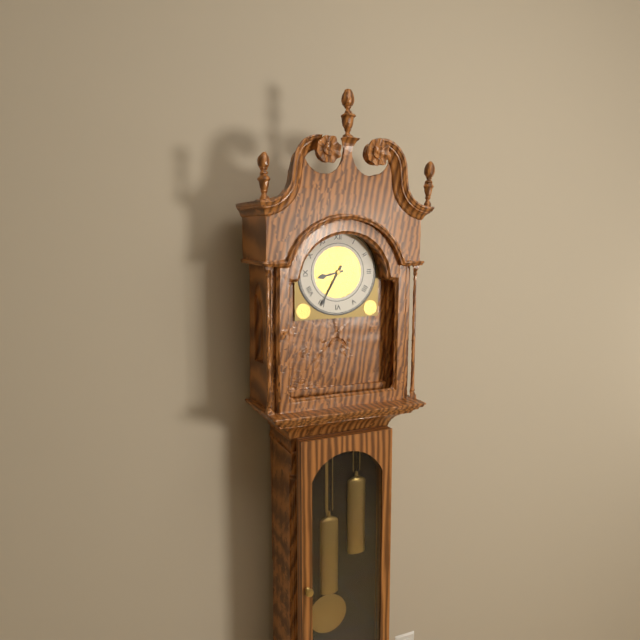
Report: {"hour": 8, "minute": 35}
